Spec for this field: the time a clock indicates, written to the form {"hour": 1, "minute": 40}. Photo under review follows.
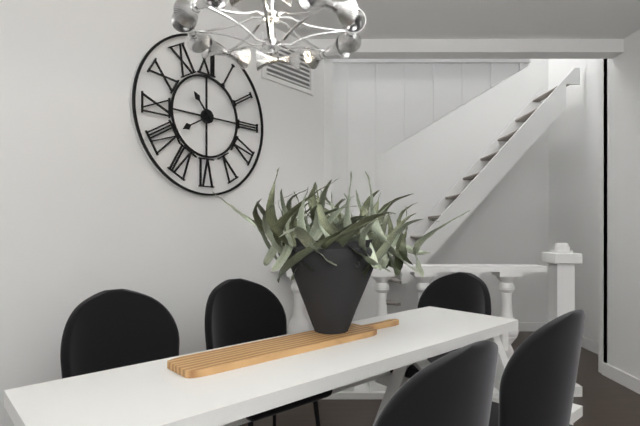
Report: {"hour": 10, "minute": 40}
